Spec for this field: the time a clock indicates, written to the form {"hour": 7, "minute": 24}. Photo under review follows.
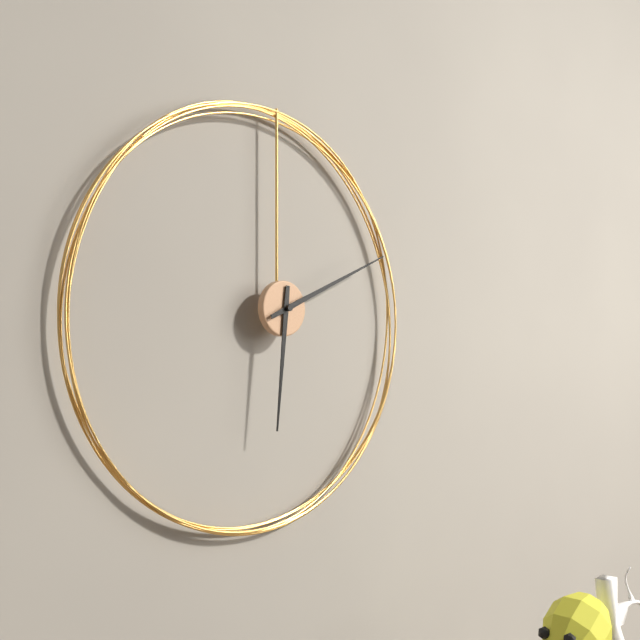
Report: {"hour": 6, "minute": 11}
